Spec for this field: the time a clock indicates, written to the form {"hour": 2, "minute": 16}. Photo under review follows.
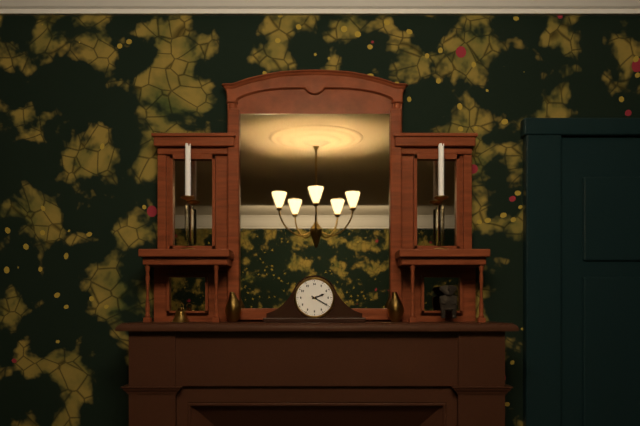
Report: {"hour": 2, "minute": 20}
